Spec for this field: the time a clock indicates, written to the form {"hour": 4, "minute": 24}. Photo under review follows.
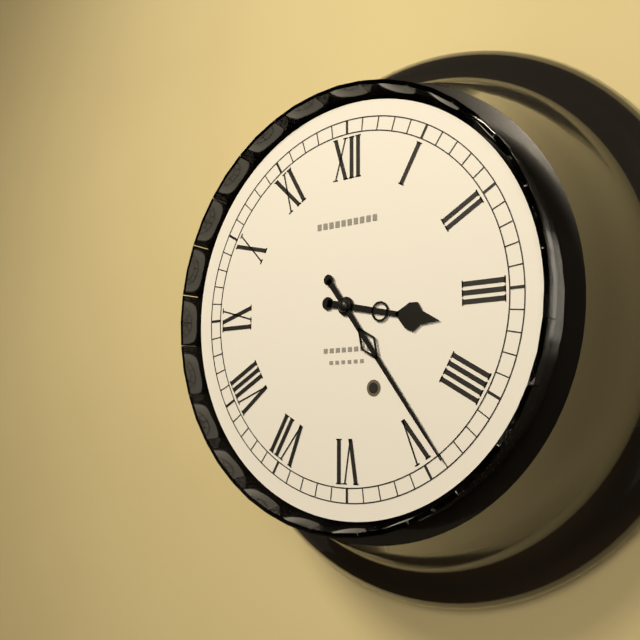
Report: {"hour": 3, "minute": 24}
